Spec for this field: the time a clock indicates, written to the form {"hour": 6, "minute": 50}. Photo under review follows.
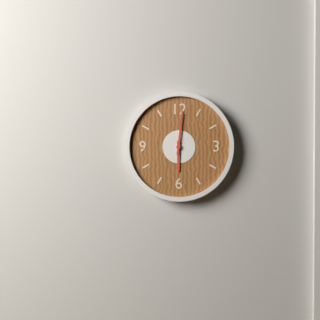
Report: {"hour": 6, "minute": 1}
